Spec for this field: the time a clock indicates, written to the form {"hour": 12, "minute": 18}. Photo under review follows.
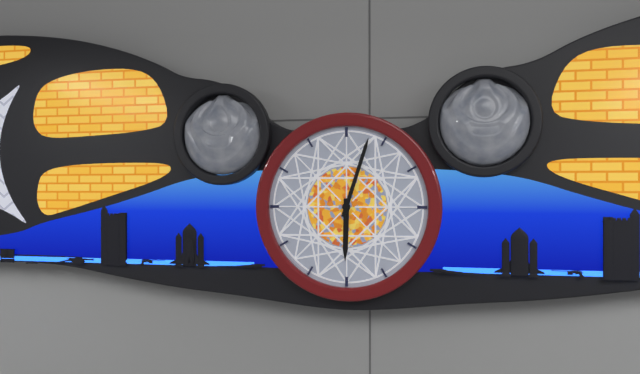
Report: {"hour": 6, "minute": 3}
